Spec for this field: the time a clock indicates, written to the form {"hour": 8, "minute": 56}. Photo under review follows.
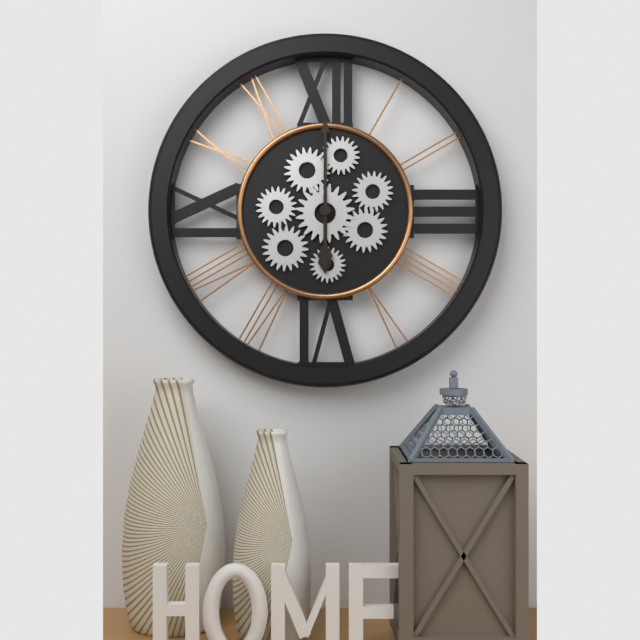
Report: {"hour": 6, "minute": 0}
